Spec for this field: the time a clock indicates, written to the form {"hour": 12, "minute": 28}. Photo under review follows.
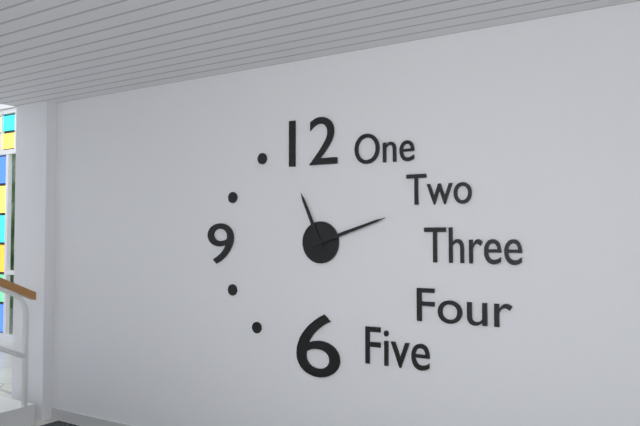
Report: {"hour": 11, "minute": 12}
